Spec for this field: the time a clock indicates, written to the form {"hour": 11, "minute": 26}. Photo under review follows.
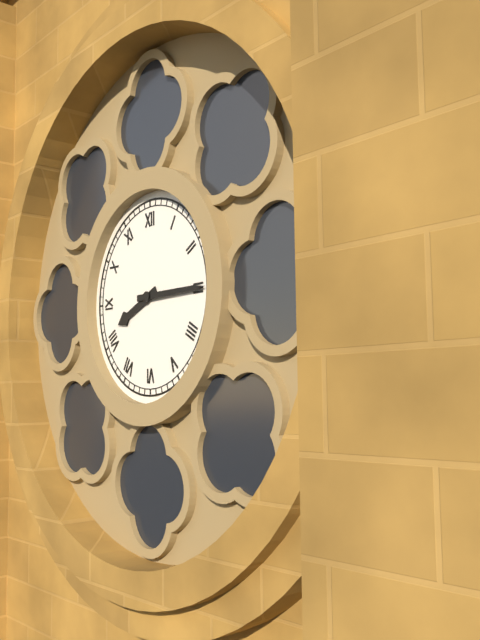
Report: {"hour": 8, "minute": 15}
